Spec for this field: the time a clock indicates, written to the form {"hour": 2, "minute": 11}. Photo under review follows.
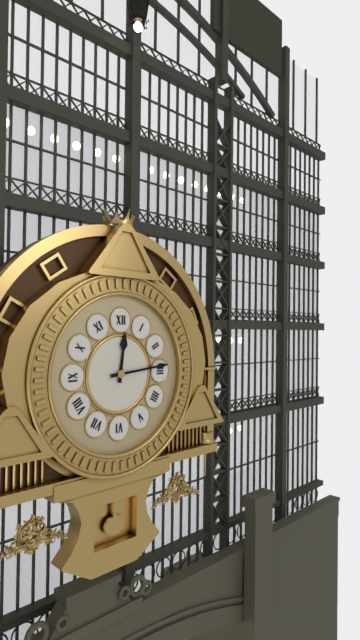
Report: {"hour": 12, "minute": 14}
